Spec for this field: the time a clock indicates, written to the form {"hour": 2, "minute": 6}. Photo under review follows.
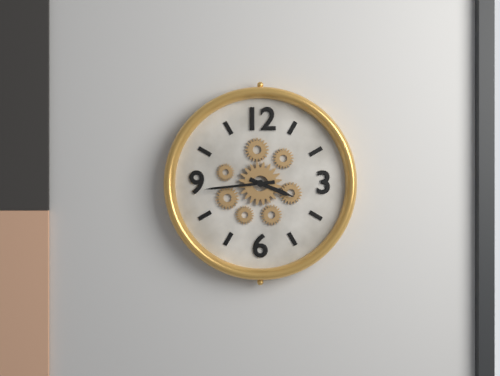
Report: {"hour": 3, "minute": 44}
